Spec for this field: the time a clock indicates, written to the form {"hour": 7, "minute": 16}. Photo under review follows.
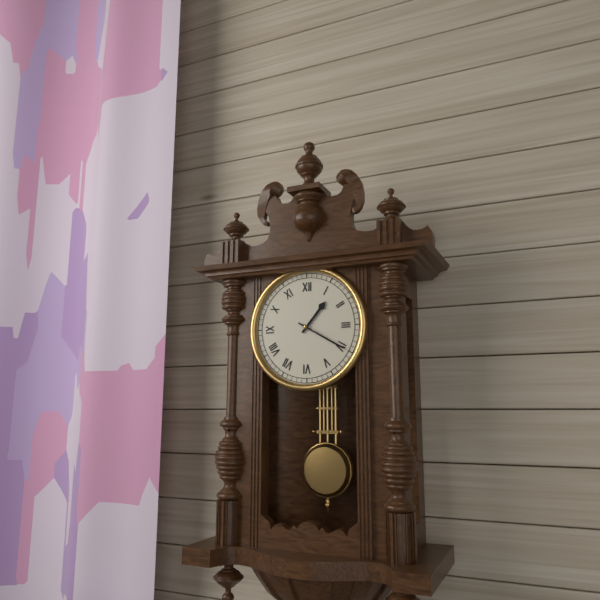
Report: {"hour": 1, "minute": 20}
